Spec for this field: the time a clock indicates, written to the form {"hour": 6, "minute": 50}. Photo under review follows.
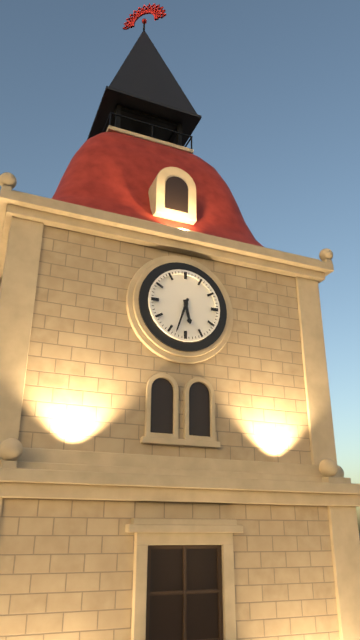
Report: {"hour": 5, "minute": 33}
